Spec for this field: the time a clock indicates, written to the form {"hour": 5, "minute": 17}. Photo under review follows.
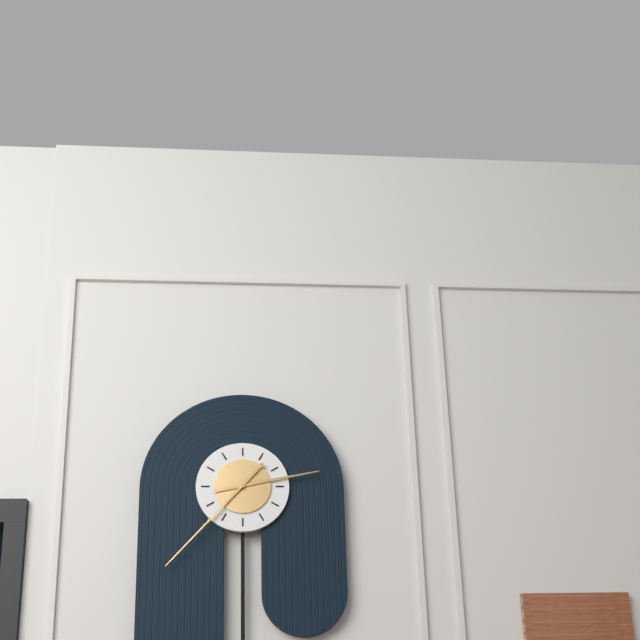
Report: {"hour": 2, "minute": 37}
